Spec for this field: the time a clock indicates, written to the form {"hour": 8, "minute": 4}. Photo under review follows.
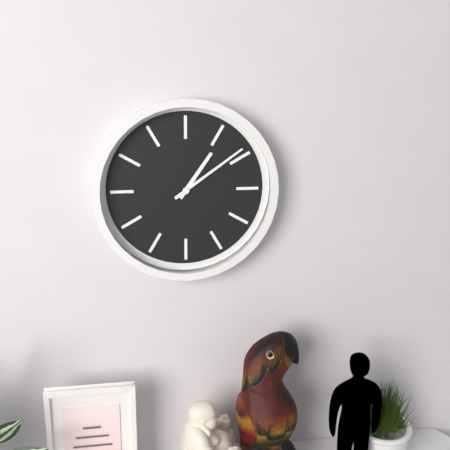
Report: {"hour": 1, "minute": 9}
